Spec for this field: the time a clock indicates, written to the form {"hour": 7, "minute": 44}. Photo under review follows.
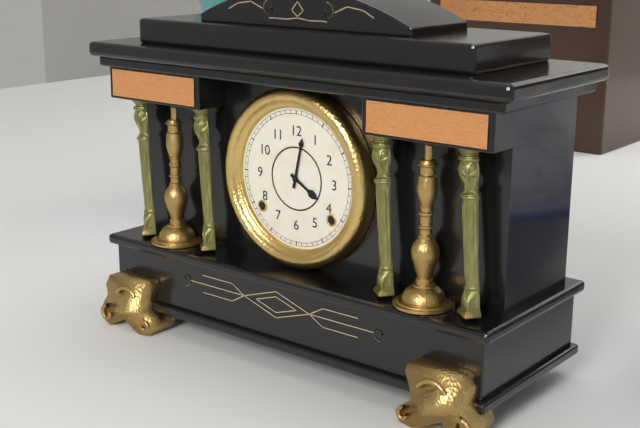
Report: {"hour": 4, "minute": 2}
